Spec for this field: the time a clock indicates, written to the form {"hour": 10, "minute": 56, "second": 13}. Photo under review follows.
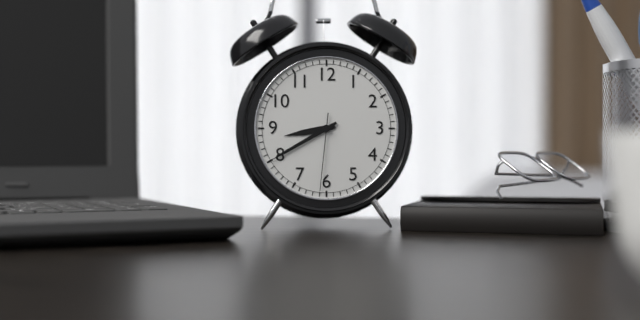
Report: {"hour": 8, "minute": 40, "second": 31}
